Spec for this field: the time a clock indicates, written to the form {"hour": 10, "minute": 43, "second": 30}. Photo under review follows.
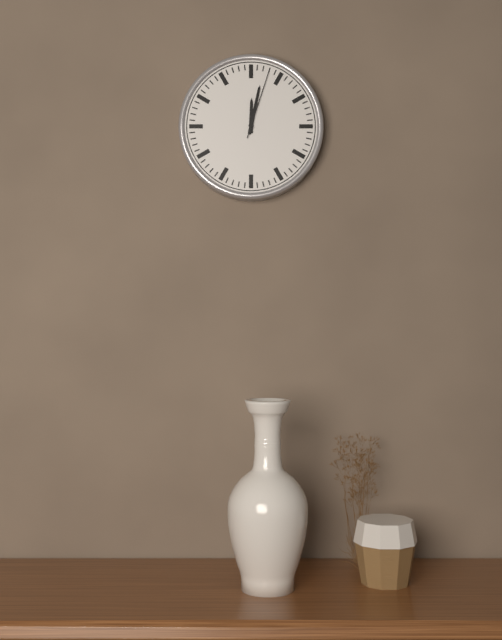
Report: {"hour": 12, "minute": 2, "second": 3}
